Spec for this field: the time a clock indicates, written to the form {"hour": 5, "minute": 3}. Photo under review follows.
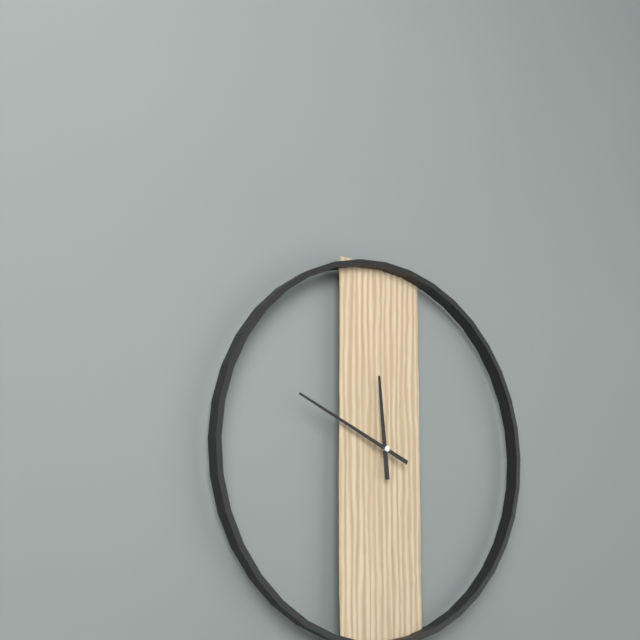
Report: {"hour": 11, "minute": 49}
